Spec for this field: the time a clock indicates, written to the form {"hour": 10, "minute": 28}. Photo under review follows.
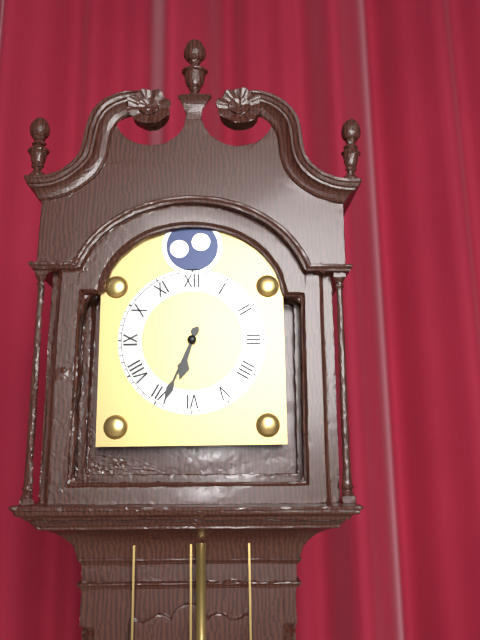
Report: {"hour": 6, "minute": 34}
